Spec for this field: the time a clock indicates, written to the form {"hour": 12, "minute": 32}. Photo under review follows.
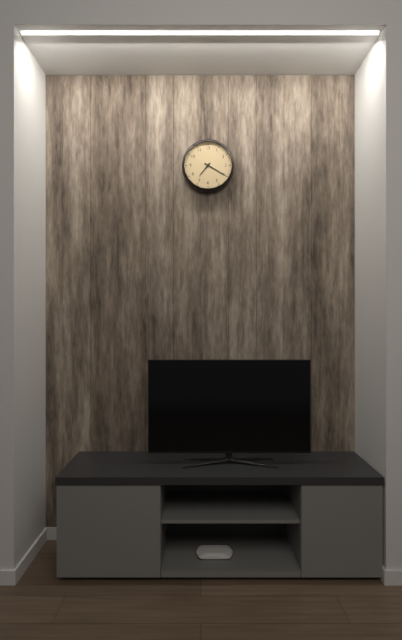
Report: {"hour": 7, "minute": 20}
